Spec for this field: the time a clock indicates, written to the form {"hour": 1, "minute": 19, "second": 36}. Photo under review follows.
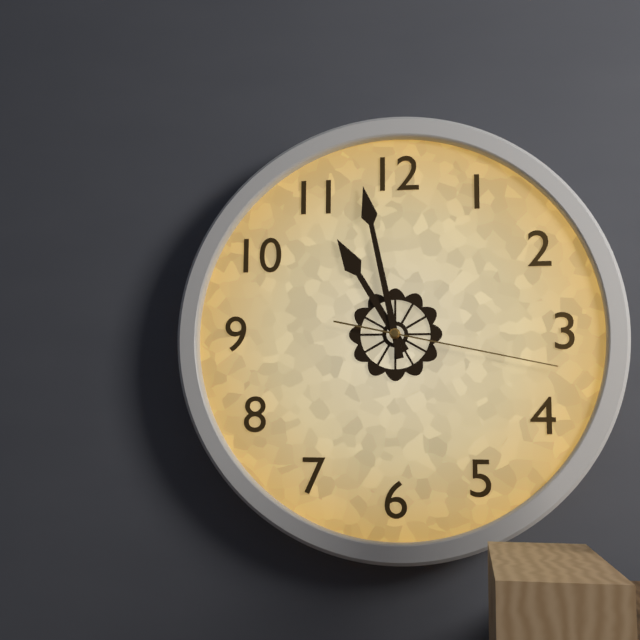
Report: {"hour": 10, "minute": 58, "second": 17}
